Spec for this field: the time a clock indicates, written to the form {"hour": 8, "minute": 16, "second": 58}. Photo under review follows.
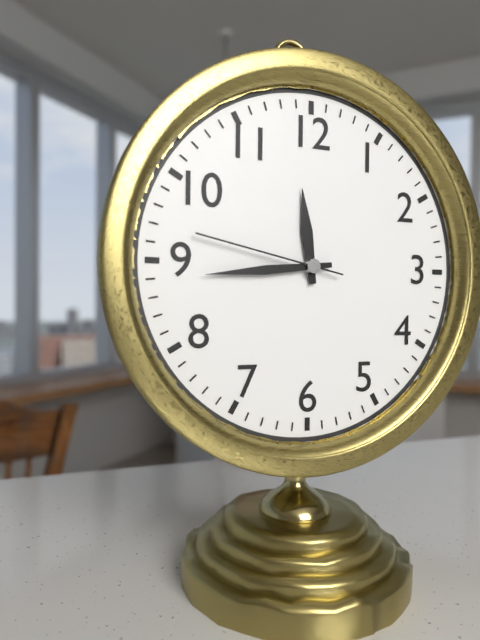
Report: {"hour": 11, "minute": 44, "second": 47}
